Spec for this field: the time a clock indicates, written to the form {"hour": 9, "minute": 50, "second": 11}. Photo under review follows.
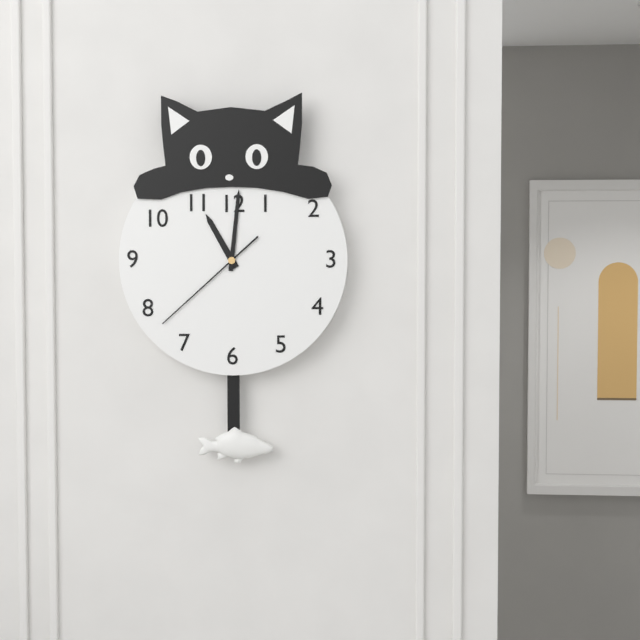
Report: {"hour": 11, "minute": 1, "second": 38}
